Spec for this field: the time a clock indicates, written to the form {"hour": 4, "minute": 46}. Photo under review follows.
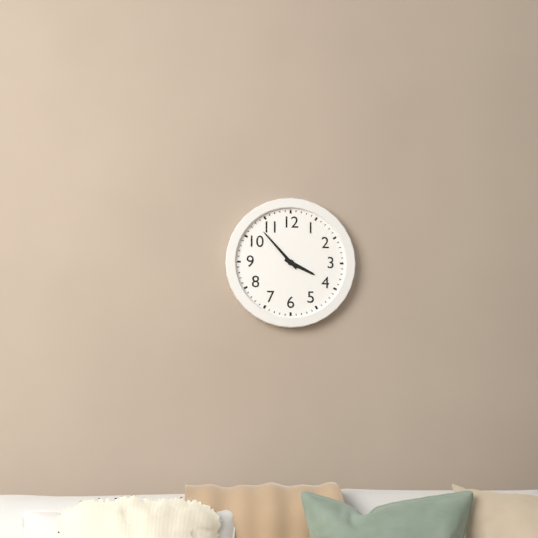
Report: {"hour": 3, "minute": 53}
